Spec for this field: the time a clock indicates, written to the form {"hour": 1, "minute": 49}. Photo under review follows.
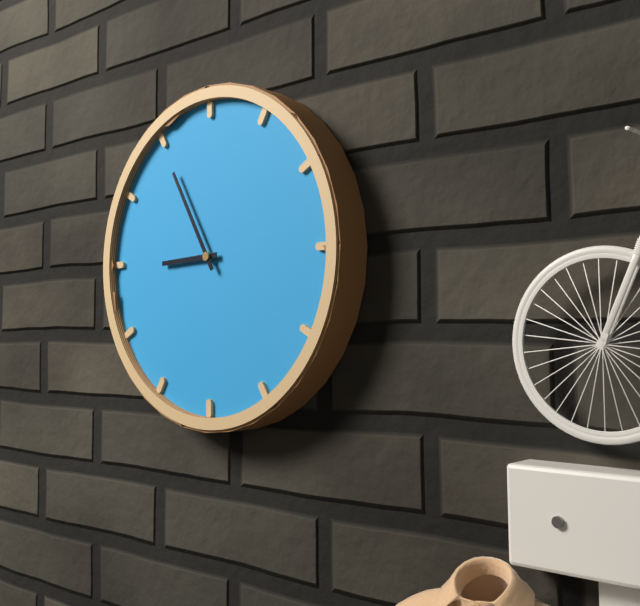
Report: {"hour": 8, "minute": 55}
